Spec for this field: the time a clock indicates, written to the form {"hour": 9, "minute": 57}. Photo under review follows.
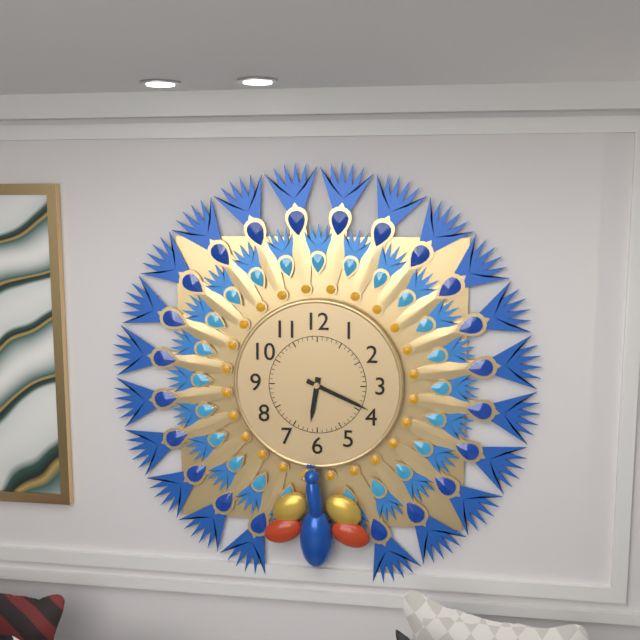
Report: {"hour": 6, "minute": 19}
